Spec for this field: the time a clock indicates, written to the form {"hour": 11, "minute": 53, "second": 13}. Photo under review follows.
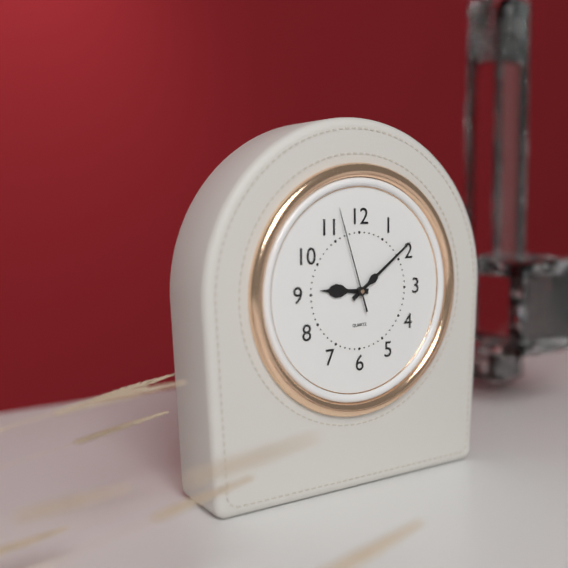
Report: {"hour": 9, "minute": 9, "second": 57}
